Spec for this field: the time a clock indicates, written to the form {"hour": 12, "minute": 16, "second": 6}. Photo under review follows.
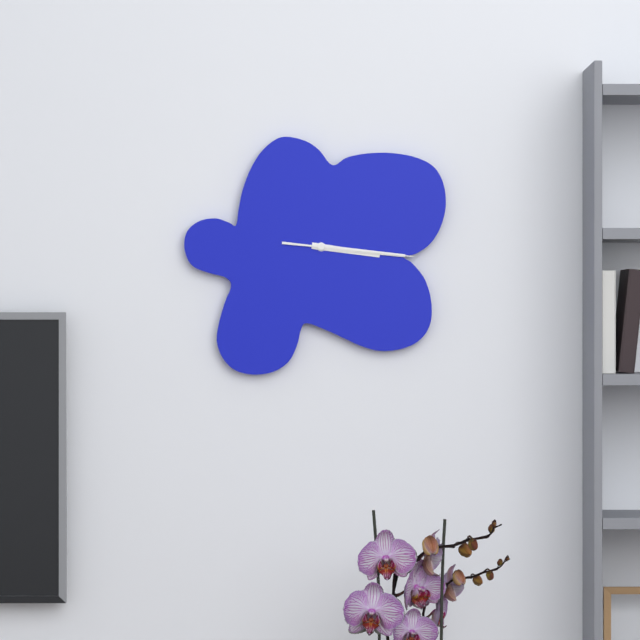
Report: {"hour": 3, "minute": 16, "second": 16}
